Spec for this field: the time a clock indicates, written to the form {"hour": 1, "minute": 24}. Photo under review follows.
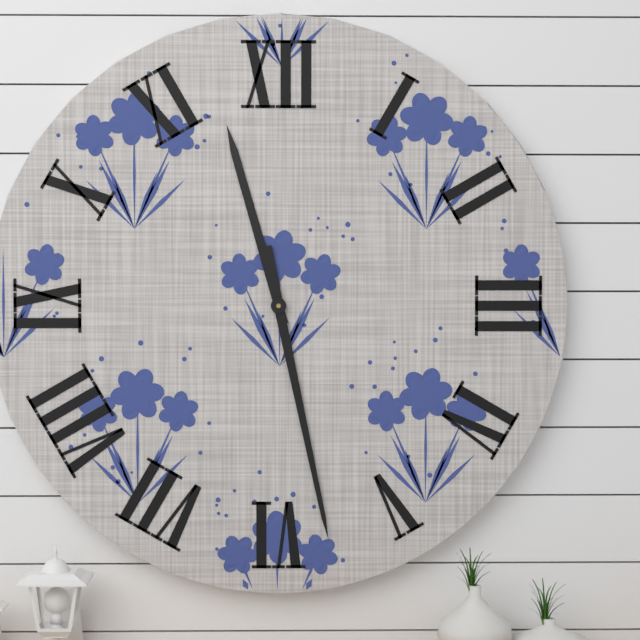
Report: {"hour": 11, "minute": 28}
